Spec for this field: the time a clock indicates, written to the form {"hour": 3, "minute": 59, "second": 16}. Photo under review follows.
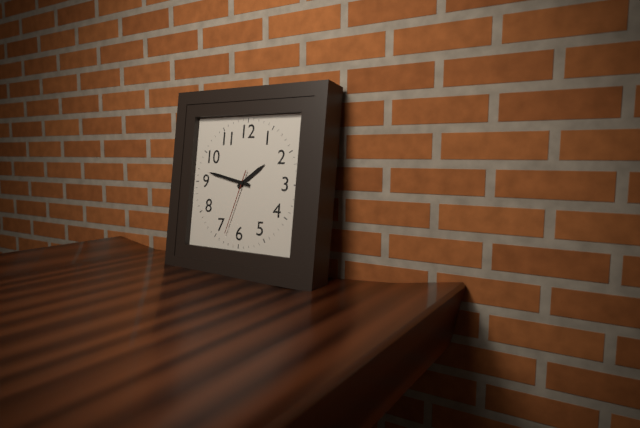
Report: {"hour": 1, "minute": 47, "second": 33}
